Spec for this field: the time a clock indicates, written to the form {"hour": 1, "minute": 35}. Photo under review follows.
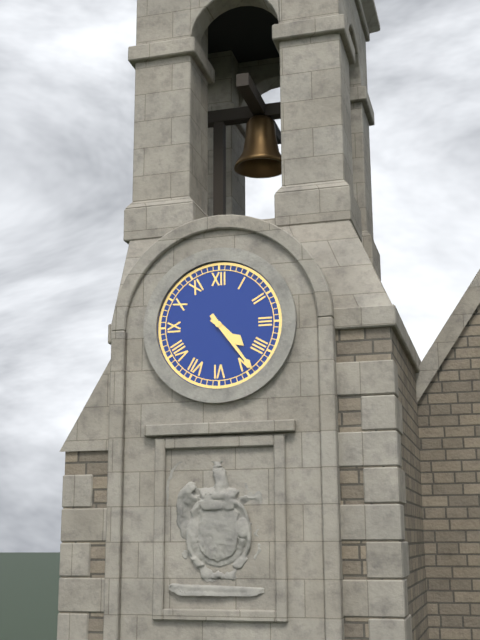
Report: {"hour": 4, "minute": 24}
